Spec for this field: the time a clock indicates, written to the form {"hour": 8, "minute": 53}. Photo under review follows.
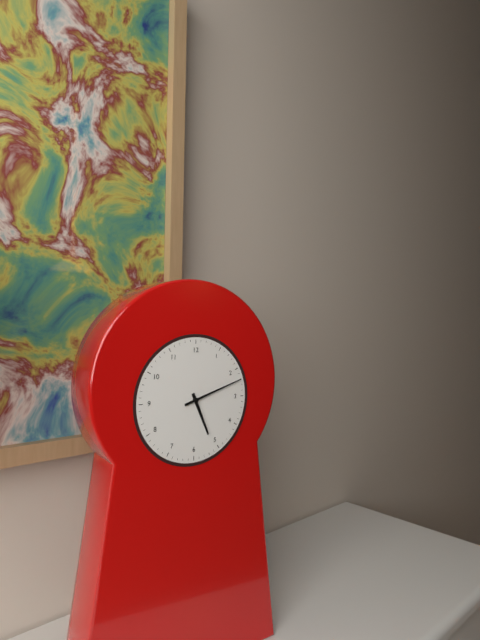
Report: {"hour": 5, "minute": 12}
